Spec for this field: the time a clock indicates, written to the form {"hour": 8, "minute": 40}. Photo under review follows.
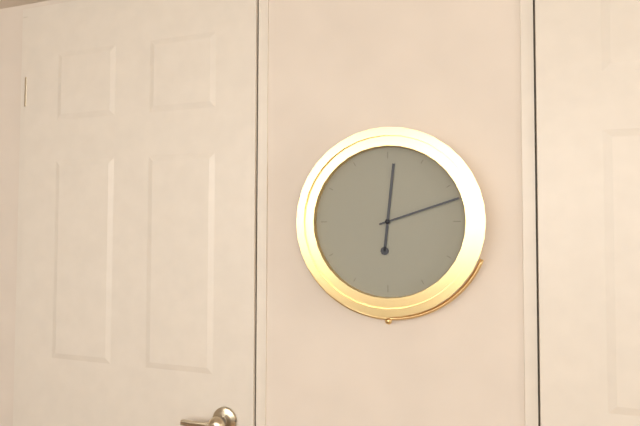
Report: {"hour": 12, "minute": 12}
